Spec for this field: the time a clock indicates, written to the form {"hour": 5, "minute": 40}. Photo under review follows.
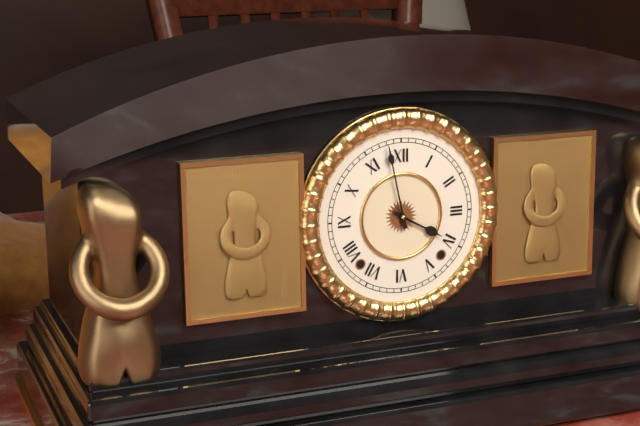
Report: {"hour": 3, "minute": 58}
